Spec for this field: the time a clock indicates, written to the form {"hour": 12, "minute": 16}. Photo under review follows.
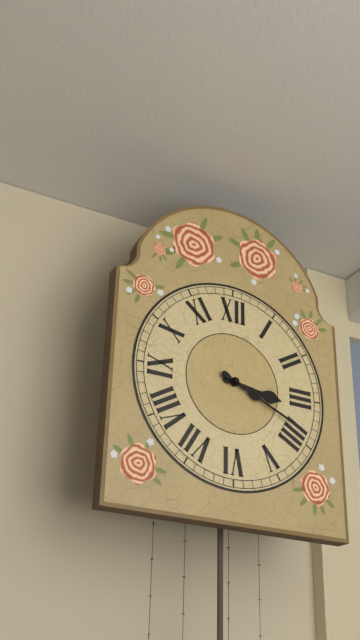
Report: {"hour": 3, "minute": 19}
